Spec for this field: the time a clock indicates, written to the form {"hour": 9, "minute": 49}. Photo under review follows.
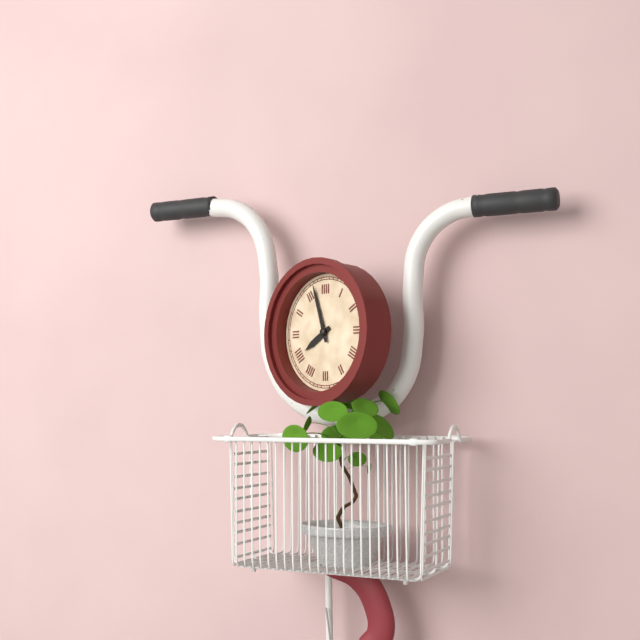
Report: {"hour": 7, "minute": 57}
